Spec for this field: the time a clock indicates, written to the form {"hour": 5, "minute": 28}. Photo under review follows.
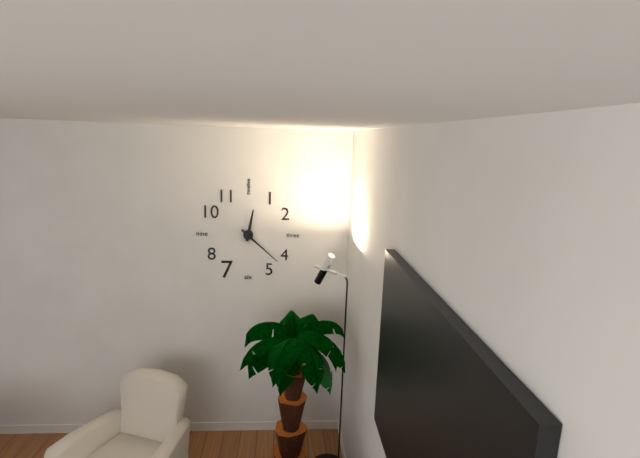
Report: {"hour": 12, "minute": 22}
